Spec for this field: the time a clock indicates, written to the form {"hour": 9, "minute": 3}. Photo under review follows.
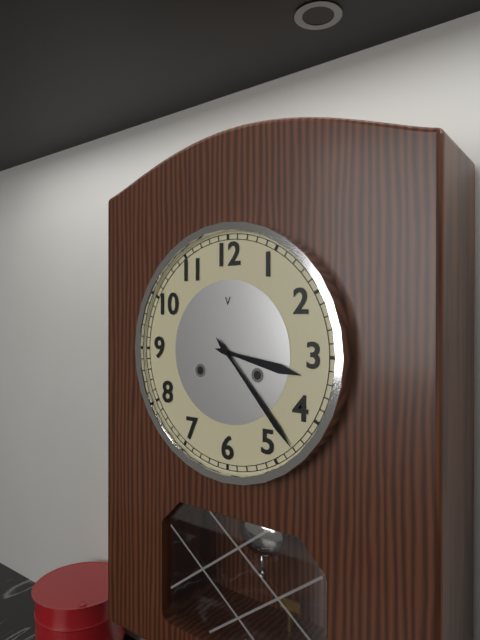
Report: {"hour": 3, "minute": 23}
